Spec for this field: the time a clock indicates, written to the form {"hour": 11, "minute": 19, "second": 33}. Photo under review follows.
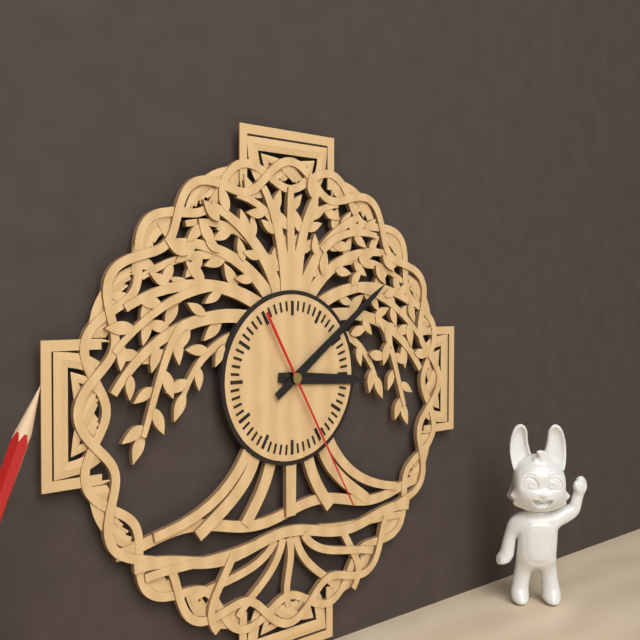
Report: {"hour": 3, "minute": 9, "second": 25}
